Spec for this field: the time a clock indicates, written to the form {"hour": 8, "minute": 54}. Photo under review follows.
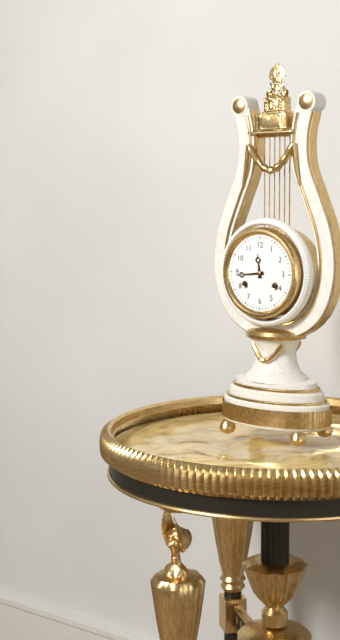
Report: {"hour": 11, "minute": 44}
